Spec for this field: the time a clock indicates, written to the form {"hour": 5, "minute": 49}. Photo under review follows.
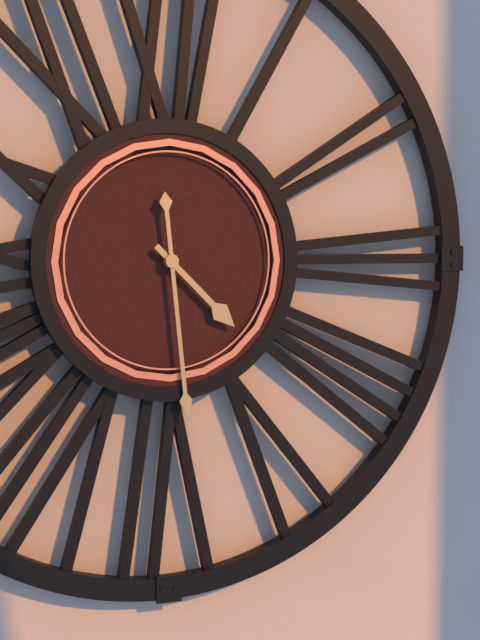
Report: {"hour": 4, "minute": 29}
